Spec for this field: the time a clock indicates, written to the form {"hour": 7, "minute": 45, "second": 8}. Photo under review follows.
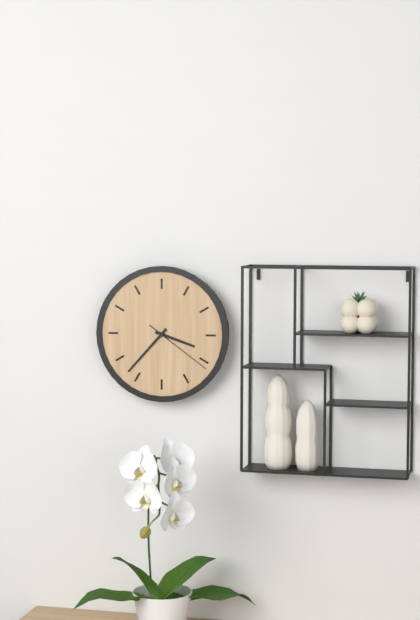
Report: {"hour": 3, "minute": 37, "second": 21}
